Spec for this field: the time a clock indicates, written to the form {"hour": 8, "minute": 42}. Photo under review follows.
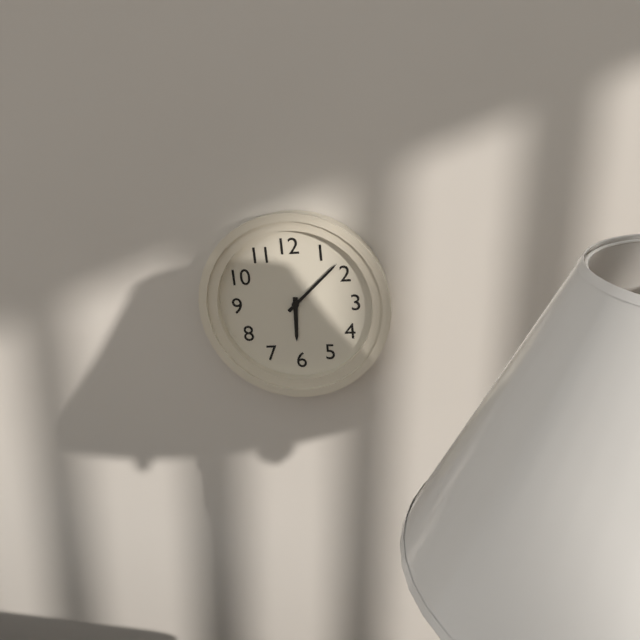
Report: {"hour": 6, "minute": 8}
